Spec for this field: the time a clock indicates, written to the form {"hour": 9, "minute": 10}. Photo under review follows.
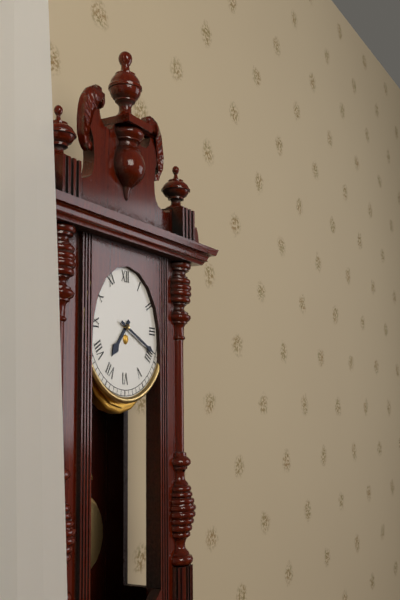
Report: {"hour": 7, "minute": 19}
